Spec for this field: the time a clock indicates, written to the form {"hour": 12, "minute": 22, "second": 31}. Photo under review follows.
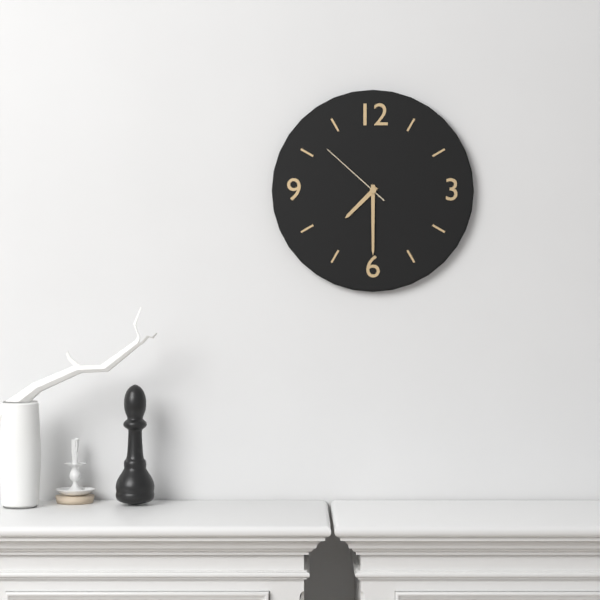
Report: {"hour": 7, "minute": 30, "second": 52}
